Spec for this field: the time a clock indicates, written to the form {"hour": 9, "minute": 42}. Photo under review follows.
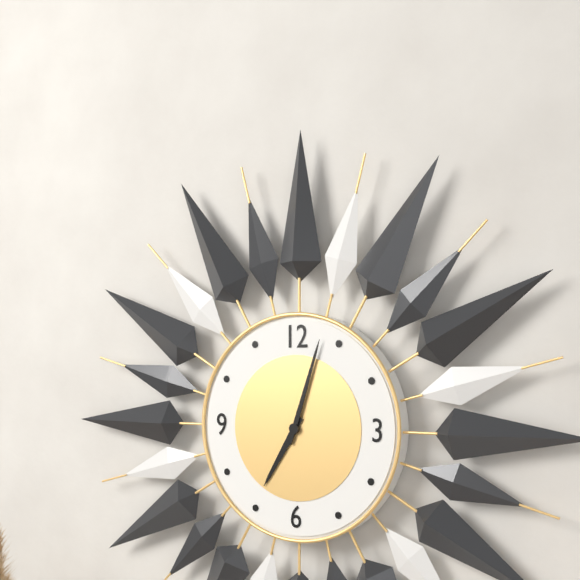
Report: {"hour": 7, "minute": 3}
